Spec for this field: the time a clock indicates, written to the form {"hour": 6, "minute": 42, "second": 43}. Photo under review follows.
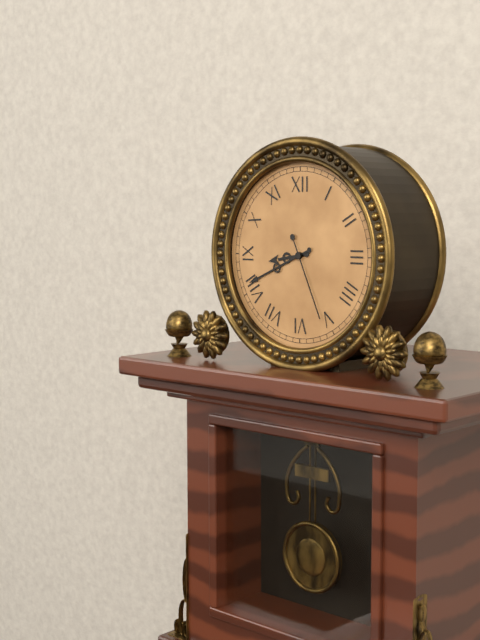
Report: {"hour": 8, "minute": 41, "second": 26}
